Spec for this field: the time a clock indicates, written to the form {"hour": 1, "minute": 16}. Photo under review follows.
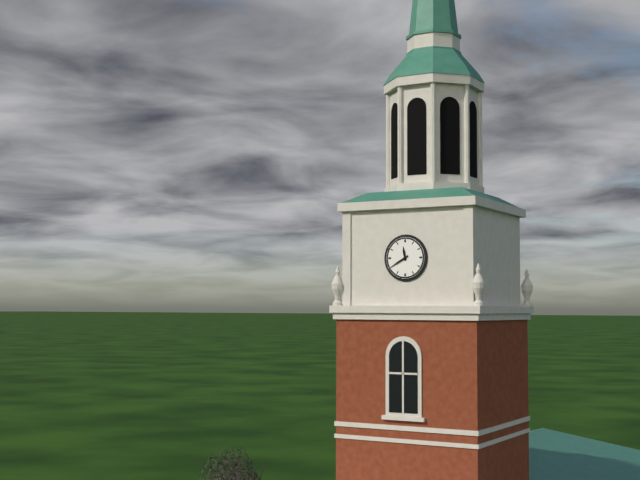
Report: {"hour": 11, "minute": 40}
